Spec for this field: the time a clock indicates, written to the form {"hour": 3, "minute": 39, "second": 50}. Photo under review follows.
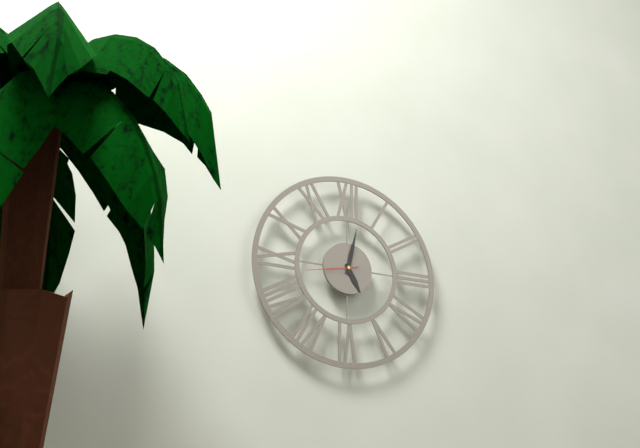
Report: {"hour": 5, "minute": 2, "second": 43}
